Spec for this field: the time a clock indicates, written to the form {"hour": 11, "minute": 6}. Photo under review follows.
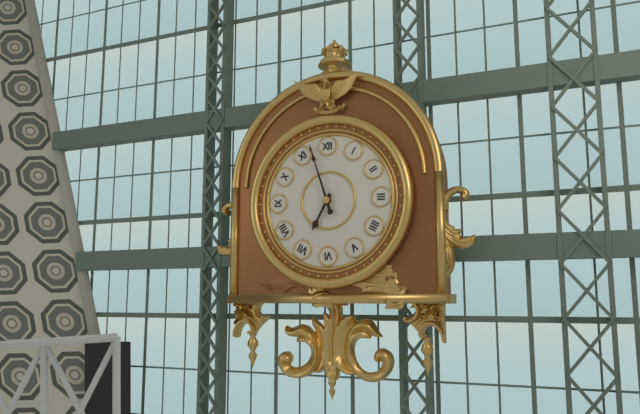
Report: {"hour": 6, "minute": 57}
